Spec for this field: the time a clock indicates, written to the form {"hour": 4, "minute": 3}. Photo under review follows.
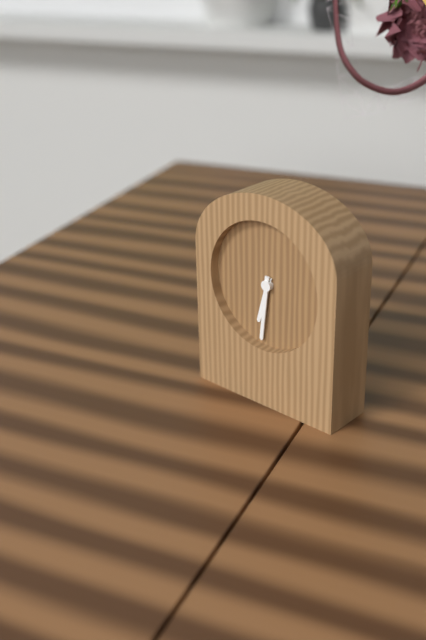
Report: {"hour": 6, "minute": 31}
